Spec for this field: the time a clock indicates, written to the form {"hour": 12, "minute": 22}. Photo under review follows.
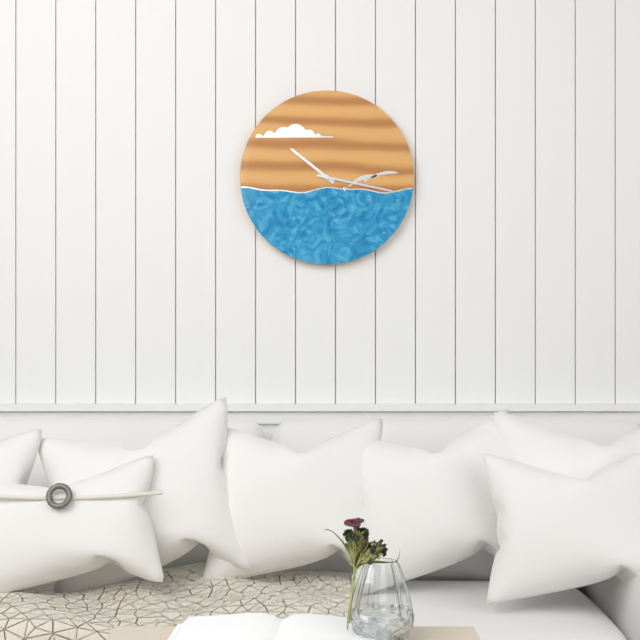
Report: {"hour": 10, "minute": 17}
